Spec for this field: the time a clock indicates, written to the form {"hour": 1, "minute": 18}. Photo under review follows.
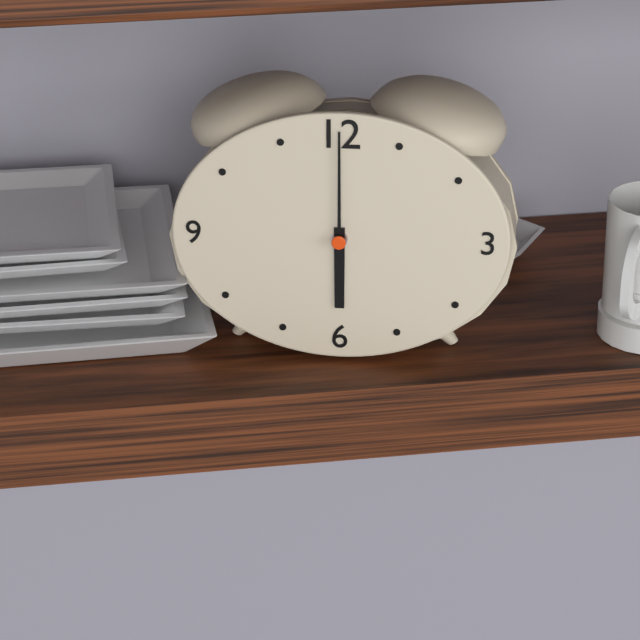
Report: {"hour": 6, "minute": 0}
